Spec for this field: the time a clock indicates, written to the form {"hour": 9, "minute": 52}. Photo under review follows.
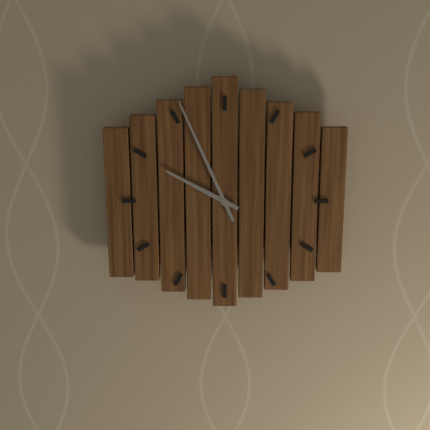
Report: {"hour": 9, "minute": 56}
